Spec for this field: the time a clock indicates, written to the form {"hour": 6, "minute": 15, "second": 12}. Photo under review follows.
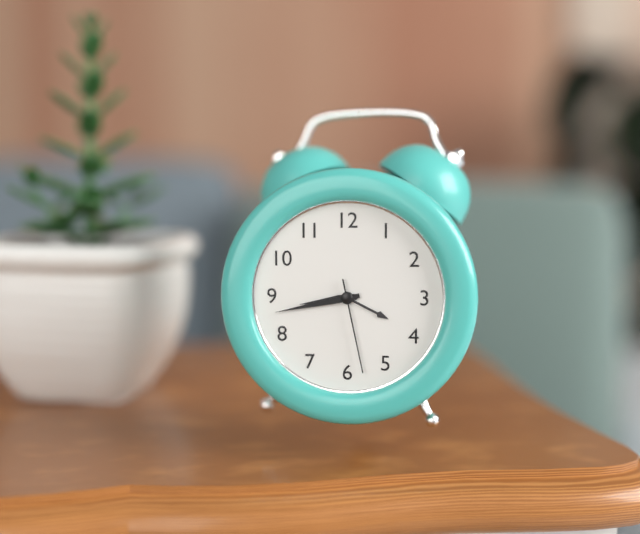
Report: {"hour": 8, "minute": 43, "second": 28}
